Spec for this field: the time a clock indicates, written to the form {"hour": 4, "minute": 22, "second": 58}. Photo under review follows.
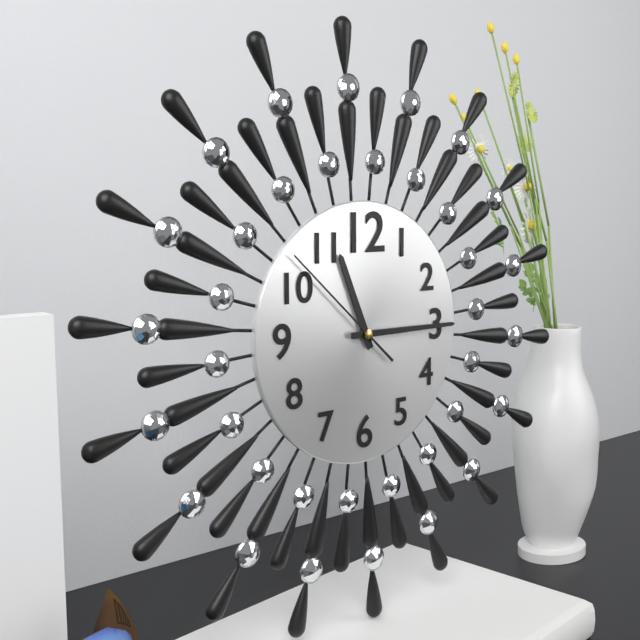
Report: {"hour": 11, "minute": 15, "second": 52}
